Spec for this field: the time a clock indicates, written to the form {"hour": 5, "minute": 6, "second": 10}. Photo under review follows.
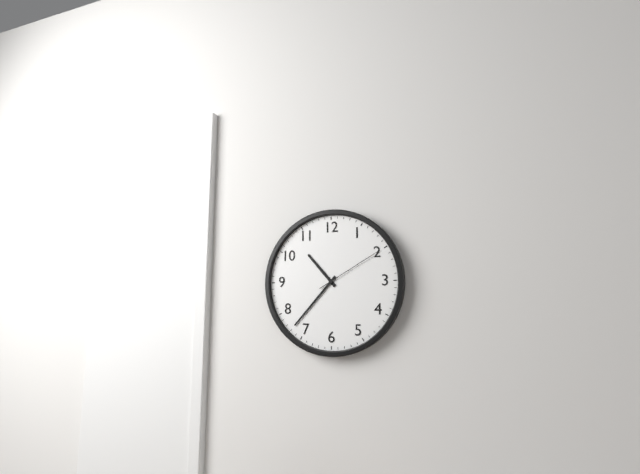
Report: {"hour": 10, "minute": 37, "second": 10}
